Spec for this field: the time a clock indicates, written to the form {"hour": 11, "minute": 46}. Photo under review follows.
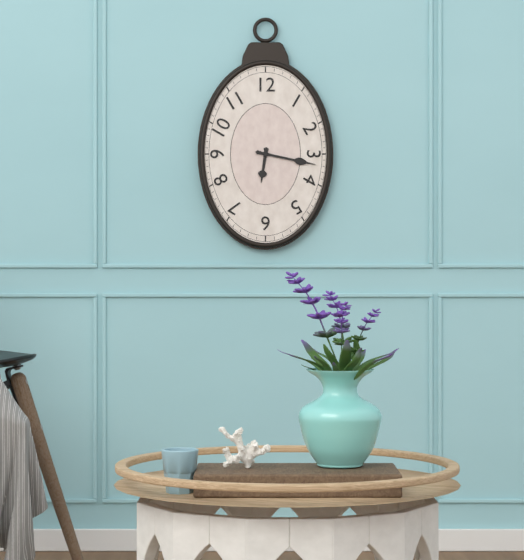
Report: {"hour": 6, "minute": 17}
